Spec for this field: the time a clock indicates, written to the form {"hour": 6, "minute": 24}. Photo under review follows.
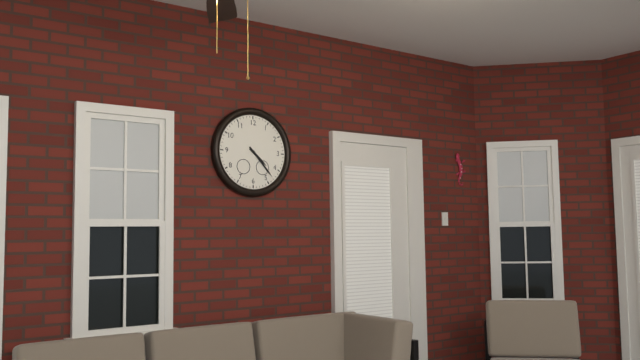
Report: {"hour": 4, "minute": 23}
